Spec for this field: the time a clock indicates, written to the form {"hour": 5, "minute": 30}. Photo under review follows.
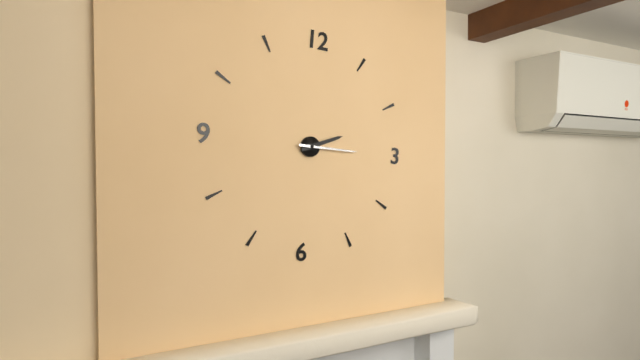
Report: {"hour": 2, "minute": 15}
